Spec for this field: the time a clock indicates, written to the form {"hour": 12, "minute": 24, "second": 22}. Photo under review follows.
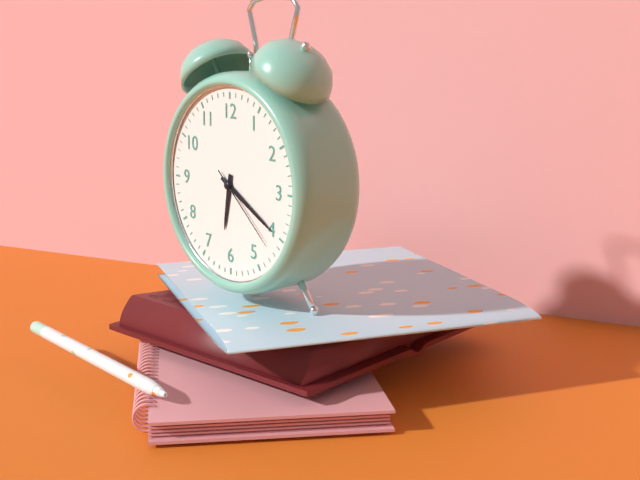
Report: {"hour": 6, "minute": 20, "second": 22}
